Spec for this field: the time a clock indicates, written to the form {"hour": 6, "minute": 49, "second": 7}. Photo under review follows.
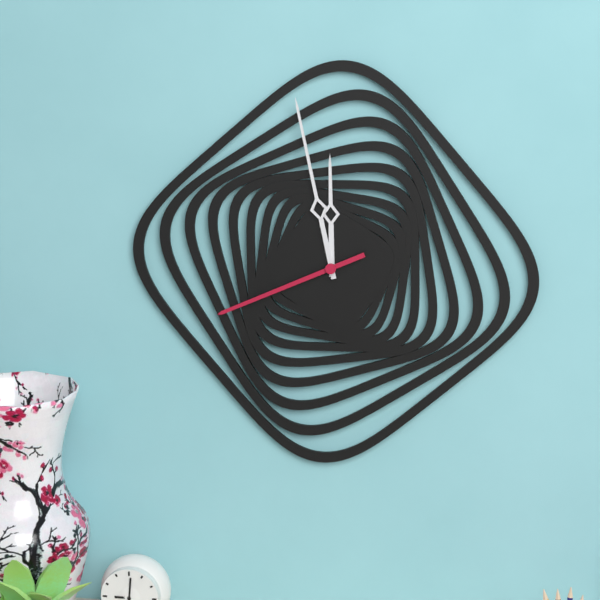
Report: {"hour": 11, "minute": 58, "second": 41}
